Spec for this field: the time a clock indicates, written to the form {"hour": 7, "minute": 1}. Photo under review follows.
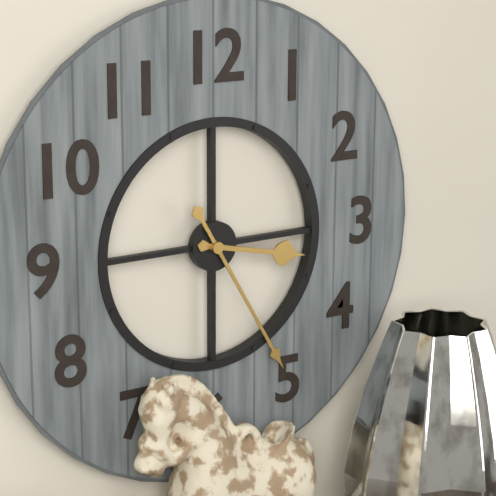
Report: {"hour": 3, "minute": 25}
